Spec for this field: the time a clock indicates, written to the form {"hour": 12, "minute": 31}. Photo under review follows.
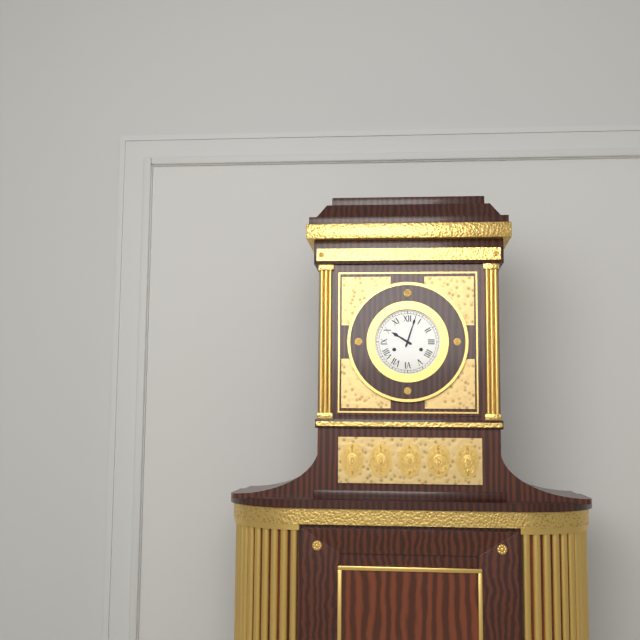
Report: {"hour": 10, "minute": 3}
